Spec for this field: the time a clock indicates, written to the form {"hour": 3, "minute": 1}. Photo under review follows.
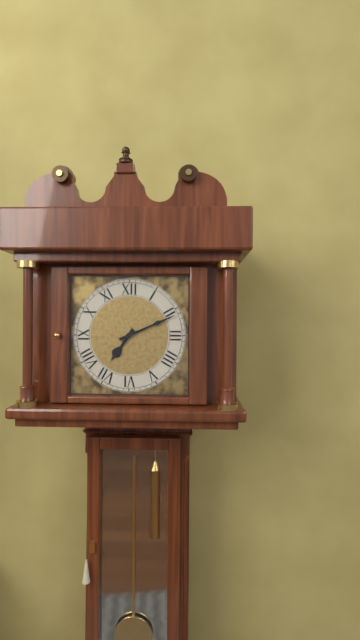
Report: {"hour": 7, "minute": 11}
